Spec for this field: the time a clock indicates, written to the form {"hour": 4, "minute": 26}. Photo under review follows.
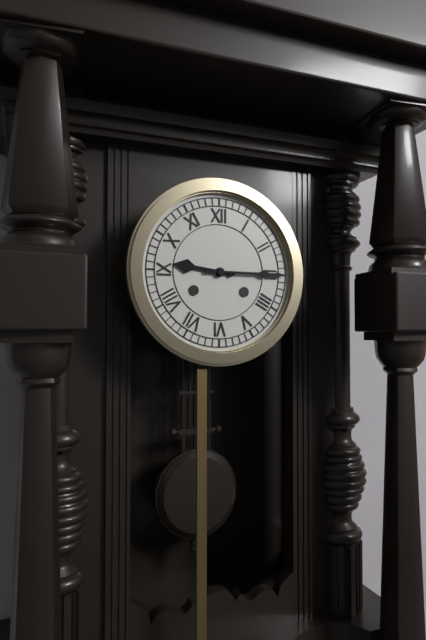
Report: {"hour": 9, "minute": 15}
